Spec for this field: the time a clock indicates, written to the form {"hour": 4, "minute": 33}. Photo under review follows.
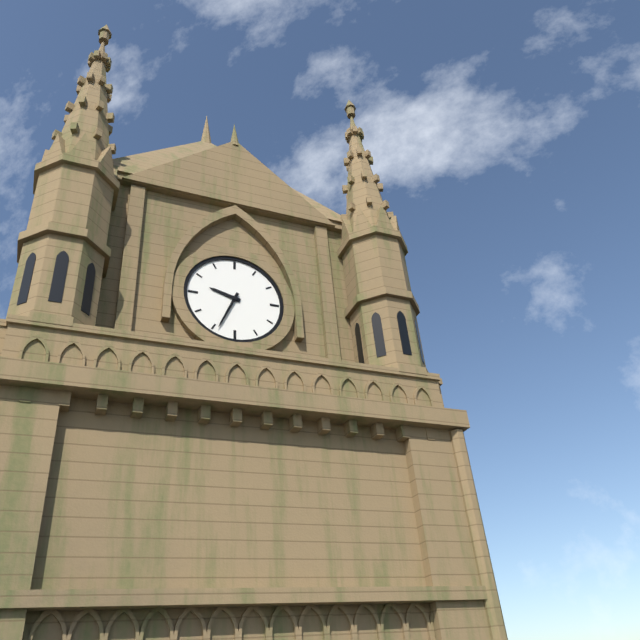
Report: {"hour": 9, "minute": 34}
